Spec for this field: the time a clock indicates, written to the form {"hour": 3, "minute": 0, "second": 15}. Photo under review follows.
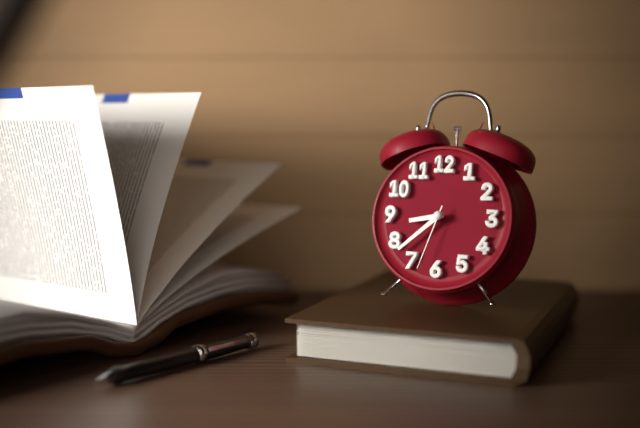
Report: {"hour": 8, "minute": 38, "second": 33}
